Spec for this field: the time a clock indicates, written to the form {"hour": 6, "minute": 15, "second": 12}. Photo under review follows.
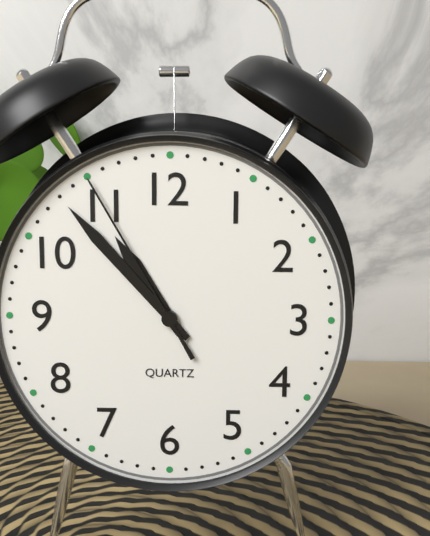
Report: {"hour": 10, "minute": 53, "second": 55}
